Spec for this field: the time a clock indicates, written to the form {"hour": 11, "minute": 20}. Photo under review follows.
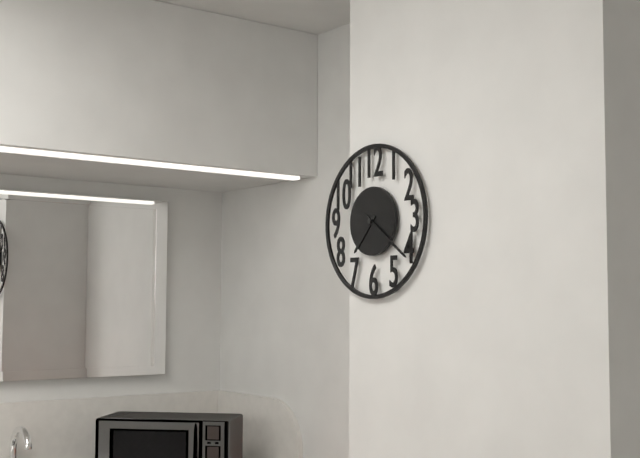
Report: {"hour": 7, "minute": 21}
